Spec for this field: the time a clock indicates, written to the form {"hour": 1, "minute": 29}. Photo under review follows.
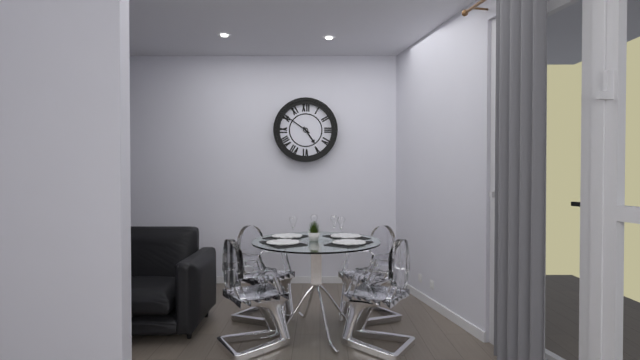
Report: {"hour": 4, "minute": 51}
